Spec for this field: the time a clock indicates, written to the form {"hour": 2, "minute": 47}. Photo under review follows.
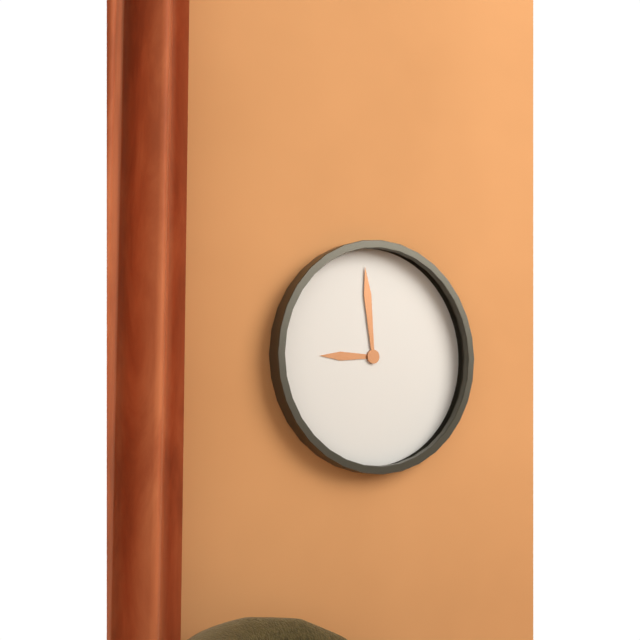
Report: {"hour": 8, "minute": 59}
